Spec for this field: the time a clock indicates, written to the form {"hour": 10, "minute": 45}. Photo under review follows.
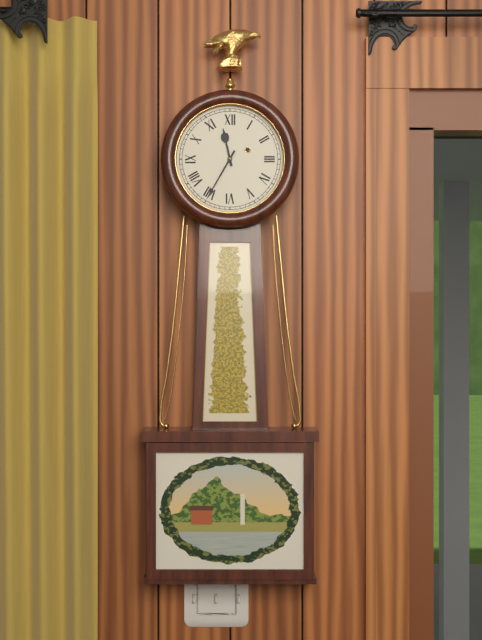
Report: {"hour": 11, "minute": 35}
